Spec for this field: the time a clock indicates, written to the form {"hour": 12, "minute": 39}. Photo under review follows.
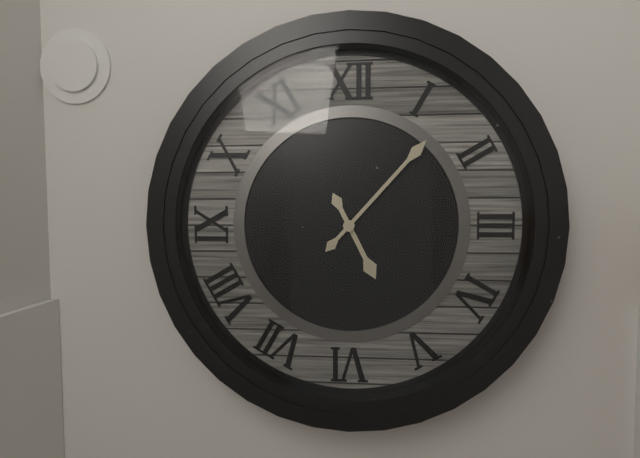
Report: {"hour": 5, "minute": 7}
